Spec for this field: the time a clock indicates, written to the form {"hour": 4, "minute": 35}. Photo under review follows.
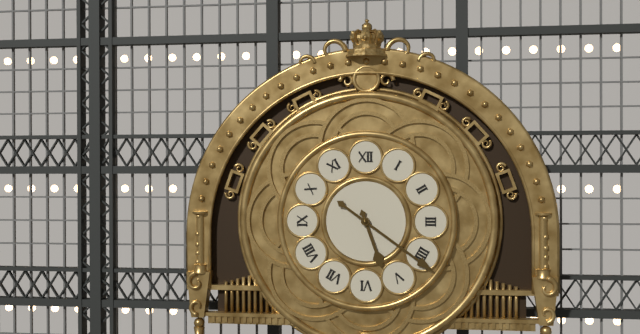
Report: {"hour": 5, "minute": 21}
